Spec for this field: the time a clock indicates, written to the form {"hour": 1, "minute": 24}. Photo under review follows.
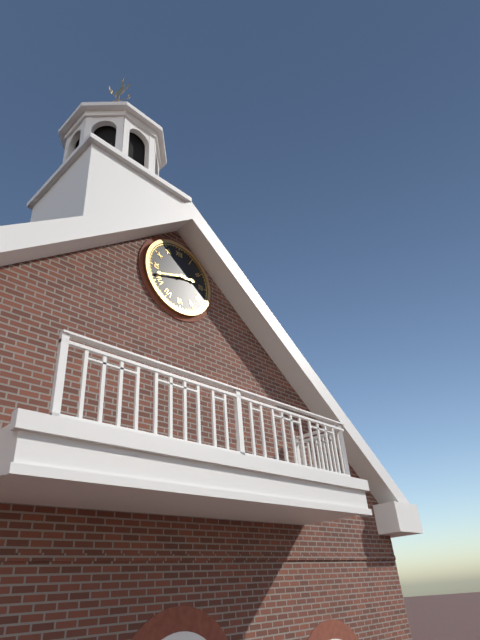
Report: {"hour": 2, "minute": 42}
